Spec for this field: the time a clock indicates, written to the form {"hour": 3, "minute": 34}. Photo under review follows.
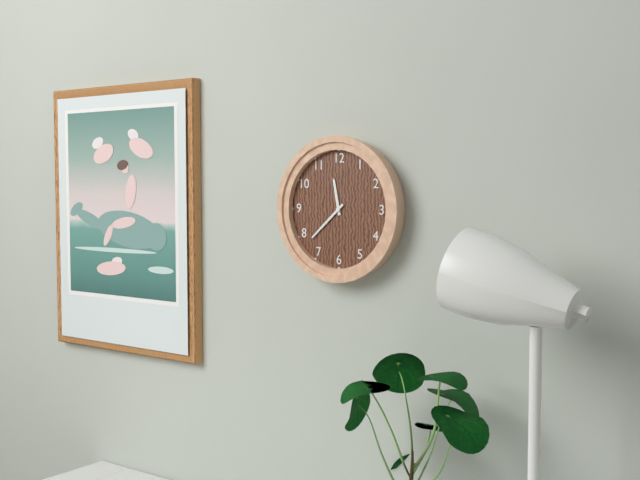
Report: {"hour": 11, "minute": 38}
